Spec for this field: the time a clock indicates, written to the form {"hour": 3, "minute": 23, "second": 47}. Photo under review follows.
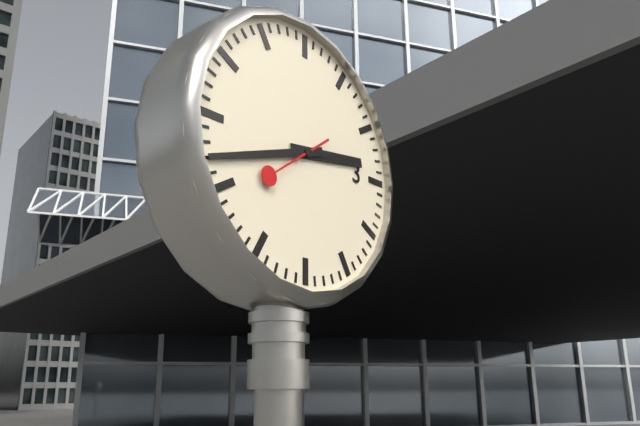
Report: {"hour": 2, "minute": 42, "second": 39}
